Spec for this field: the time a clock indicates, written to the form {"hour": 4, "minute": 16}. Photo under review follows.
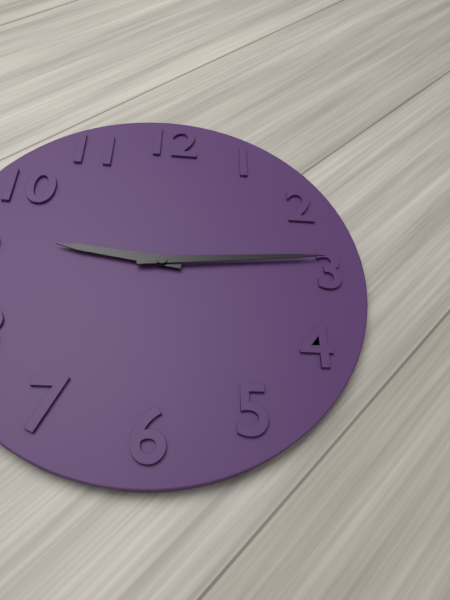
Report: {"hour": 9, "minute": 14}
